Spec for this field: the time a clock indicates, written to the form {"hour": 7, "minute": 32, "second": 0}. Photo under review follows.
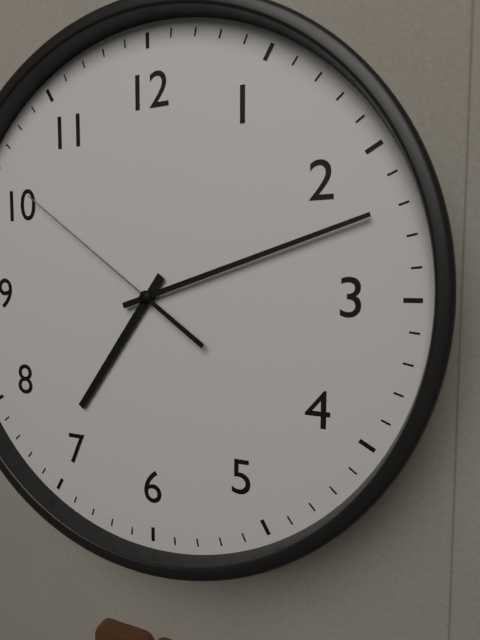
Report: {"hour": 7, "minute": 12, "second": 51}
